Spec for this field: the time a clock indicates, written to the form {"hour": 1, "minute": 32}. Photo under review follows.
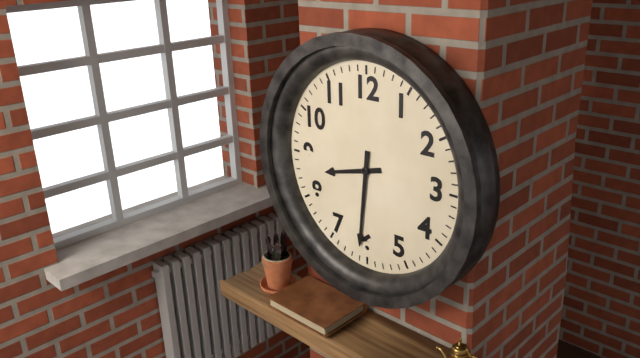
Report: {"hour": 8, "minute": 31}
